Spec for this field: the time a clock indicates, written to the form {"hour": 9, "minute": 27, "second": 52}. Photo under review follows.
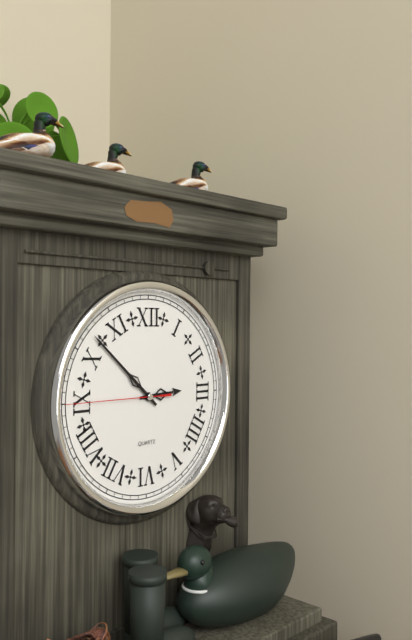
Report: {"hour": 2, "minute": 52, "second": 45}
